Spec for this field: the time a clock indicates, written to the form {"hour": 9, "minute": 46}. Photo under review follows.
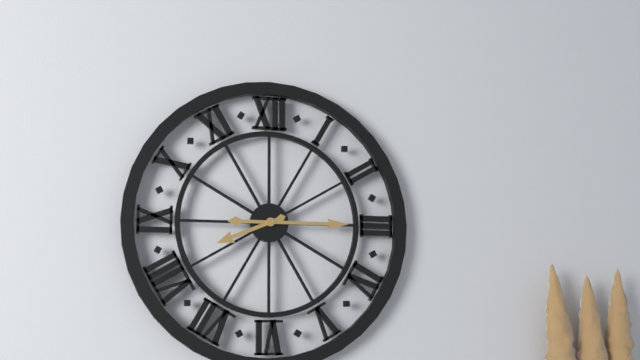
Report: {"hour": 8, "minute": 15}
